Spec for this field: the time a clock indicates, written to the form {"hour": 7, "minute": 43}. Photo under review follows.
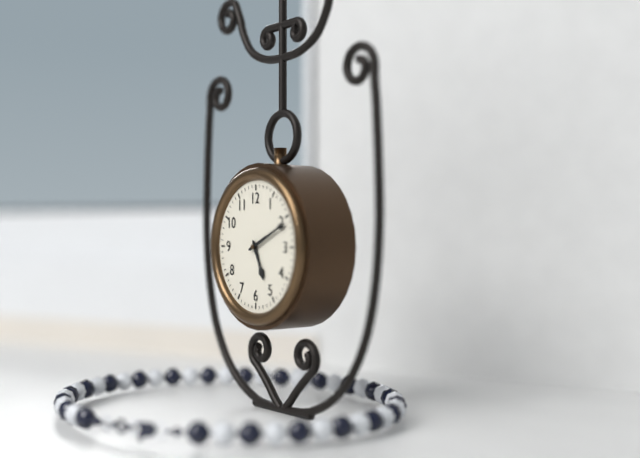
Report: {"hour": 5, "minute": 11}
